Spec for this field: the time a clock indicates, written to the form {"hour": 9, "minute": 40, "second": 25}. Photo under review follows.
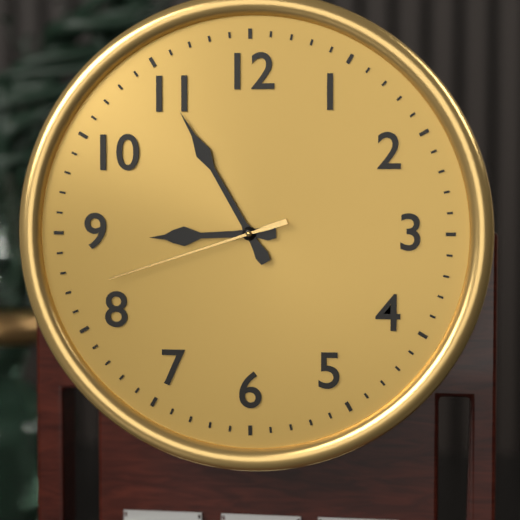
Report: {"hour": 8, "minute": 55, "second": 42}
